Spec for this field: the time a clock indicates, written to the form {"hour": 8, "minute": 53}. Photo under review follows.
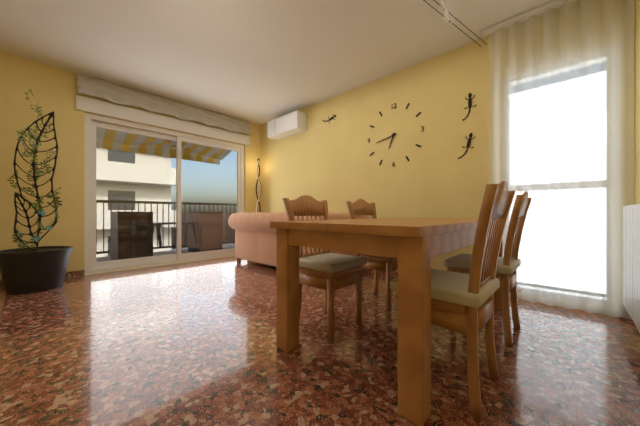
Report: {"hour": 6, "minute": 43}
